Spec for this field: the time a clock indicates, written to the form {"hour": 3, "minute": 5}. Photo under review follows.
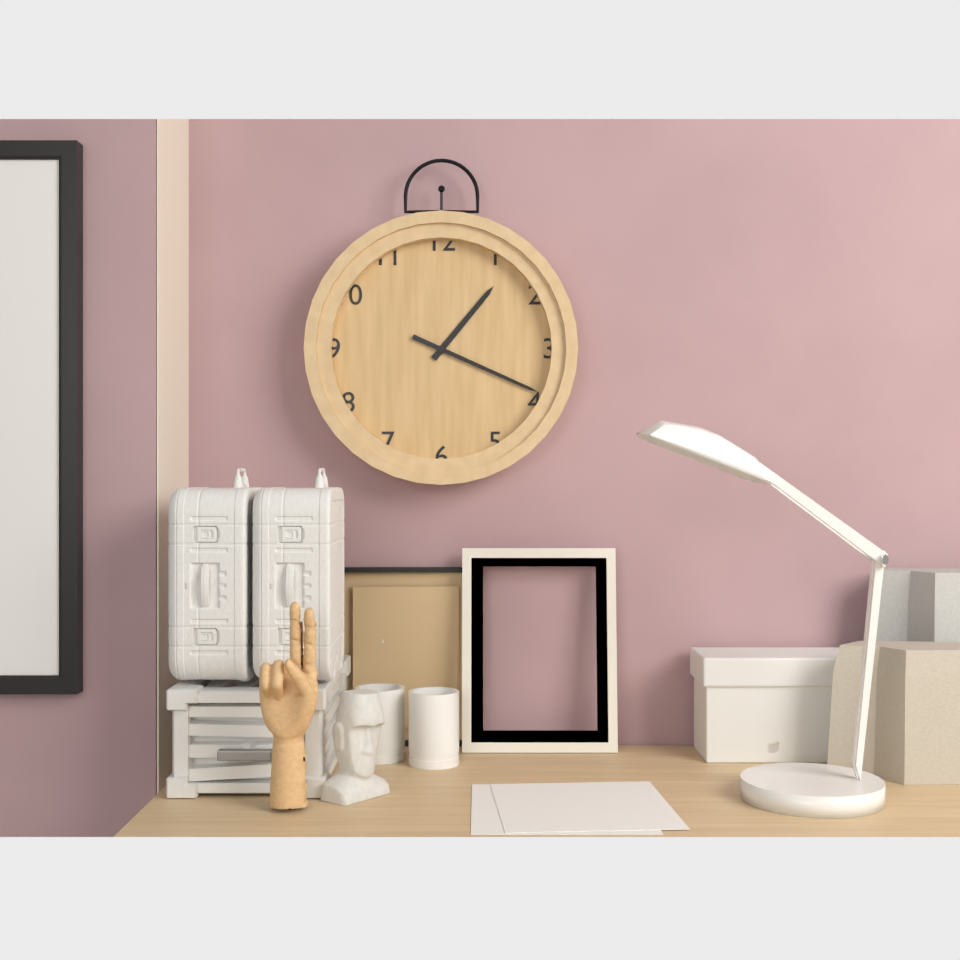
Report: {"hour": 1, "minute": 19}
